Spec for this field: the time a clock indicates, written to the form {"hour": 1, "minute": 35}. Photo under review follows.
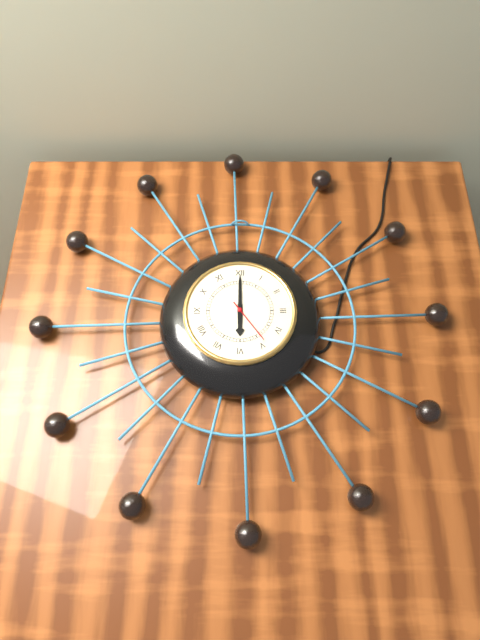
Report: {"hour": 6, "minute": 0}
